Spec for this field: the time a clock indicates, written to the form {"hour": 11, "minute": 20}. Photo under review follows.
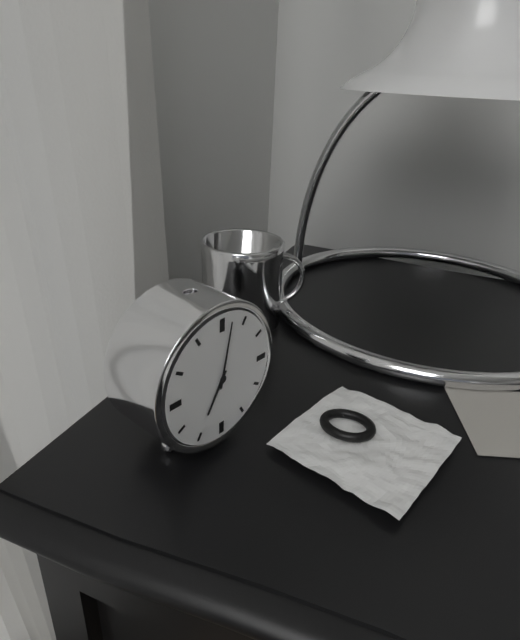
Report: {"hour": 7, "minute": 2}
